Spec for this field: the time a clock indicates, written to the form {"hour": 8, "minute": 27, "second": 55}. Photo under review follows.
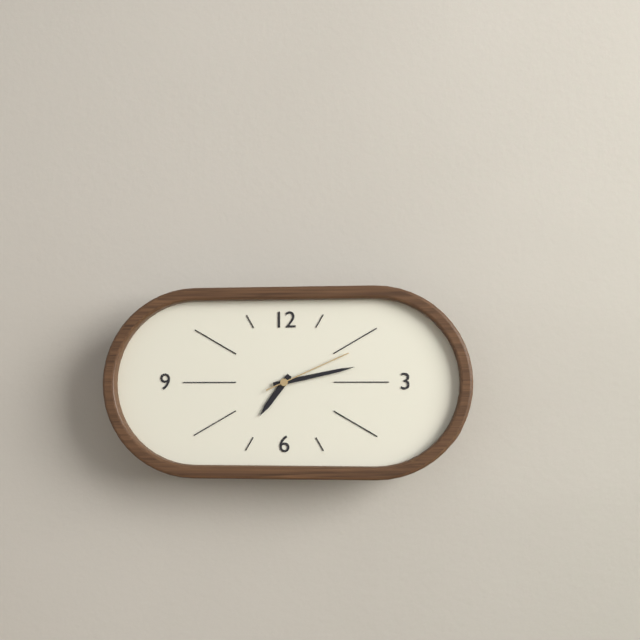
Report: {"hour": 7, "minute": 13, "second": 11}
